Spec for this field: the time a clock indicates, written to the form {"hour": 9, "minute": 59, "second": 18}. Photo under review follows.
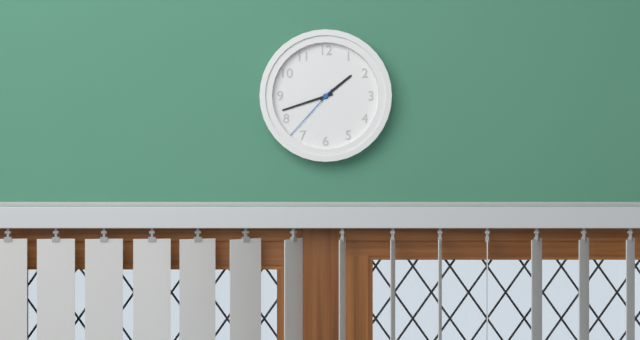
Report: {"hour": 1, "minute": 42, "second": 37}
